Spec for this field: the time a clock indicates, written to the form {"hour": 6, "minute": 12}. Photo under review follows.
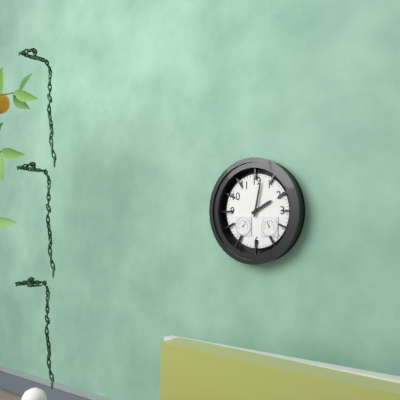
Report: {"hour": 2, "minute": 2}
